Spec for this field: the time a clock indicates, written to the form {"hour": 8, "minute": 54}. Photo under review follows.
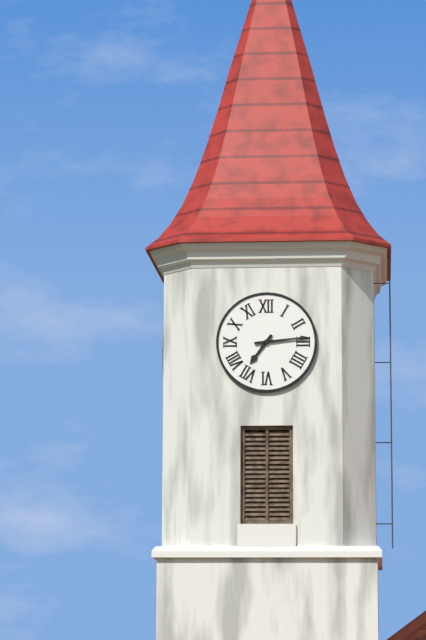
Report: {"hour": 7, "minute": 14}
